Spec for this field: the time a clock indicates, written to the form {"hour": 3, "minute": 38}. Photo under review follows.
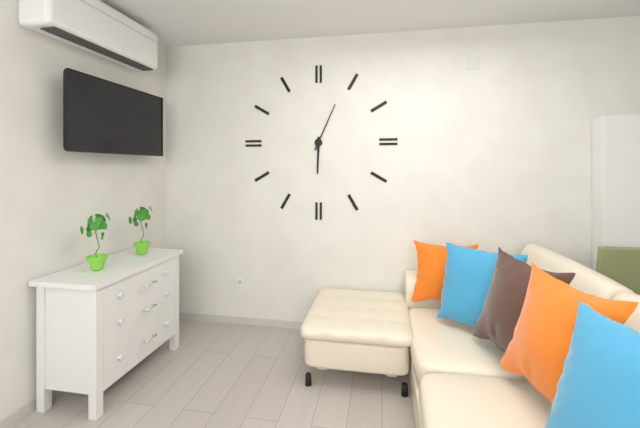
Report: {"hour": 6, "minute": 4}
